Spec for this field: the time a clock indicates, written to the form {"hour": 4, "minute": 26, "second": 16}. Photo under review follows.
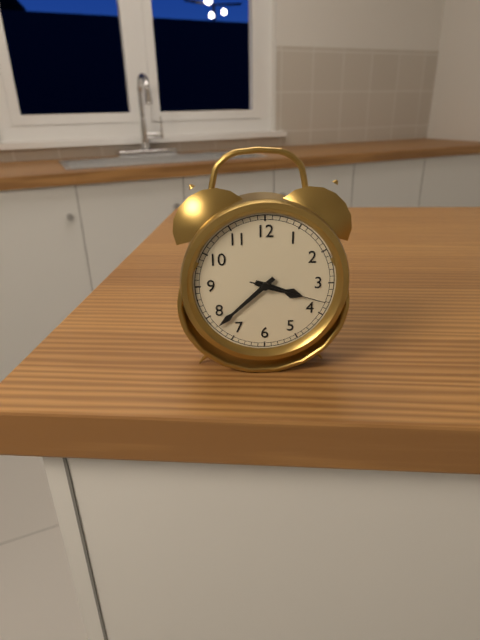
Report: {"hour": 3, "minute": 38, "second": 18}
